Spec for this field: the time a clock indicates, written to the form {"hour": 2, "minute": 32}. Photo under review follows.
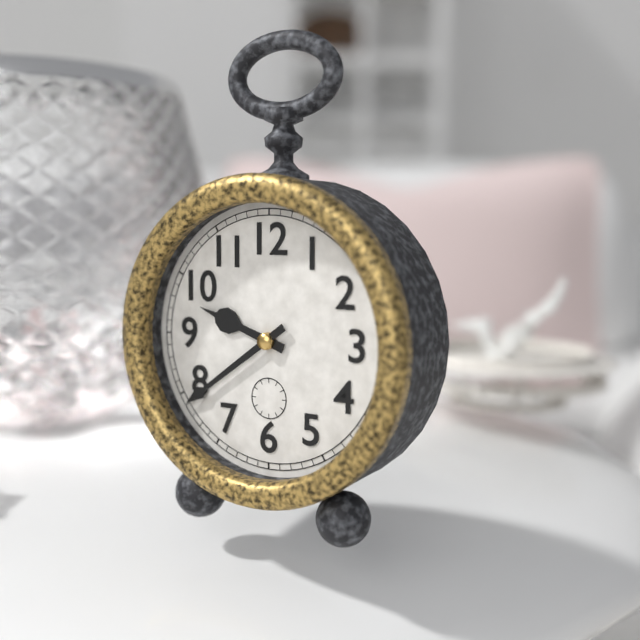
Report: {"hour": 9, "minute": 39}
